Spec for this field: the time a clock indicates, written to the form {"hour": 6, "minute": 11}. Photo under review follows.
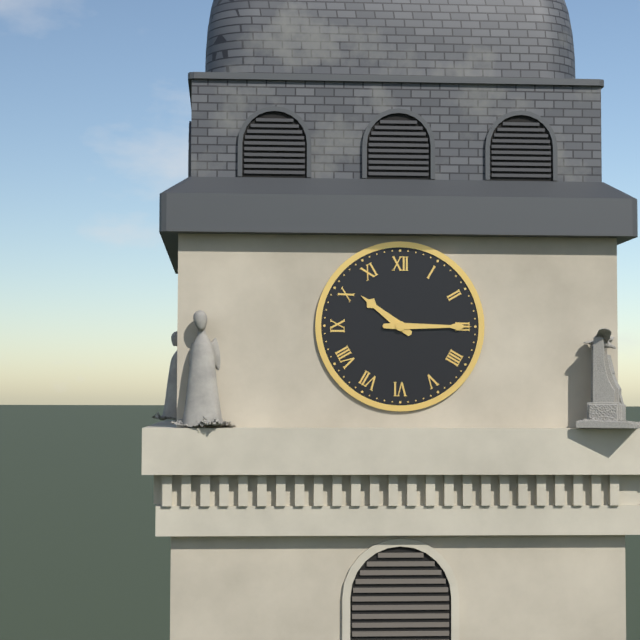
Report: {"hour": 10, "minute": 15}
